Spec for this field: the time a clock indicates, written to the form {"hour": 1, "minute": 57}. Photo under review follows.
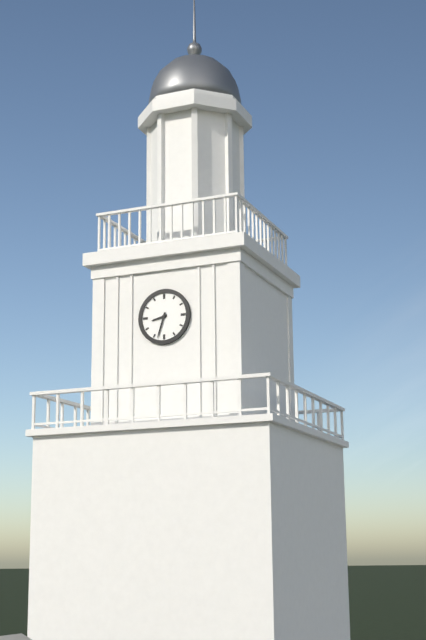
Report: {"hour": 8, "minute": 33}
